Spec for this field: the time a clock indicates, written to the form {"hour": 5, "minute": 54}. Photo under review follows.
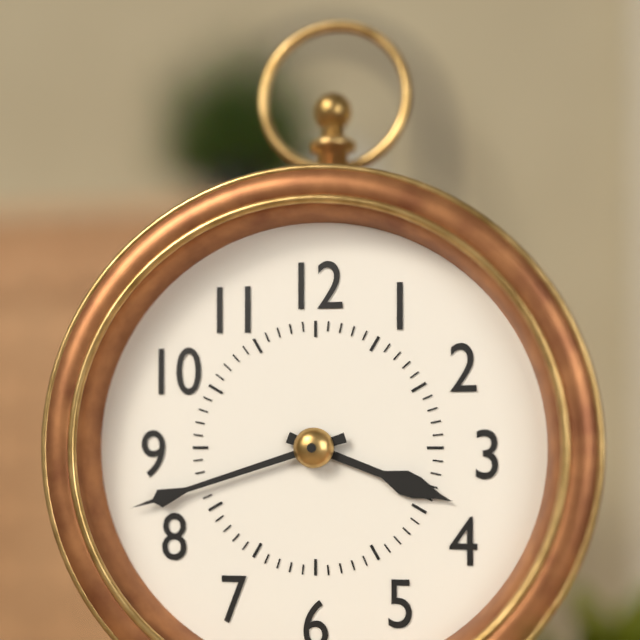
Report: {"hour": 3, "minute": 42}
